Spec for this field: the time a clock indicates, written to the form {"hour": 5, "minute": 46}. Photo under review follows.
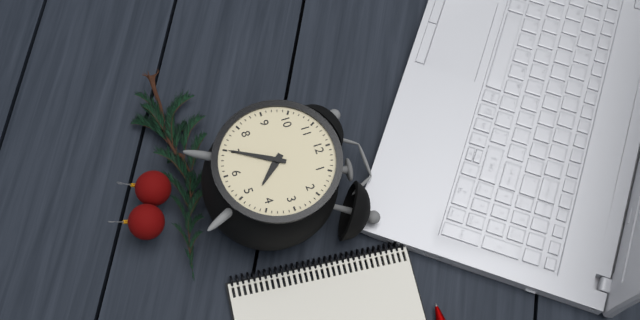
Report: {"hour": 4, "minute": 35}
